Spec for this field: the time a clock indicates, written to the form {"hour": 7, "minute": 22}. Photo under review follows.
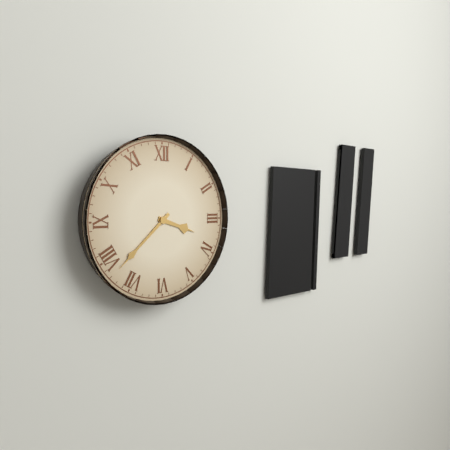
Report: {"hour": 3, "minute": 38}
